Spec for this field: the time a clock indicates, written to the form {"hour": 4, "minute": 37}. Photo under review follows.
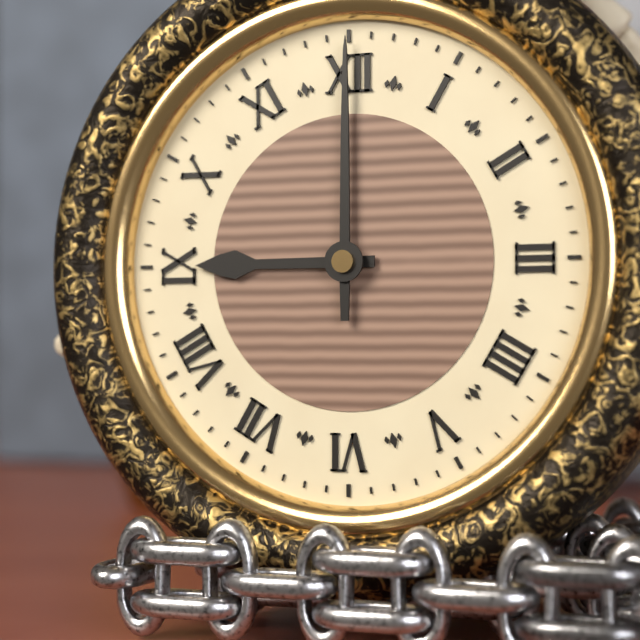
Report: {"hour": 9, "minute": 0}
